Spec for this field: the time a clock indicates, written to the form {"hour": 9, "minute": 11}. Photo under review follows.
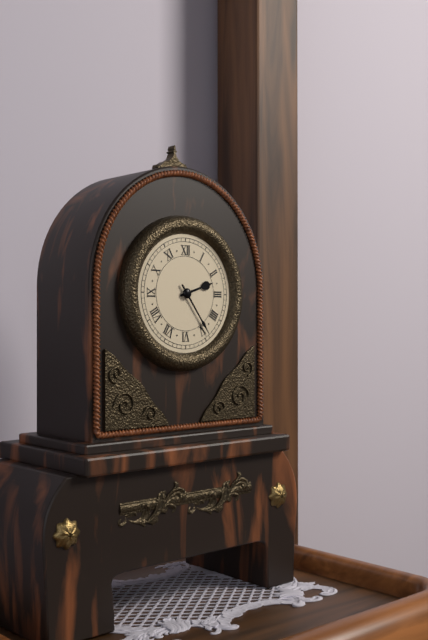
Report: {"hour": 2, "minute": 24}
